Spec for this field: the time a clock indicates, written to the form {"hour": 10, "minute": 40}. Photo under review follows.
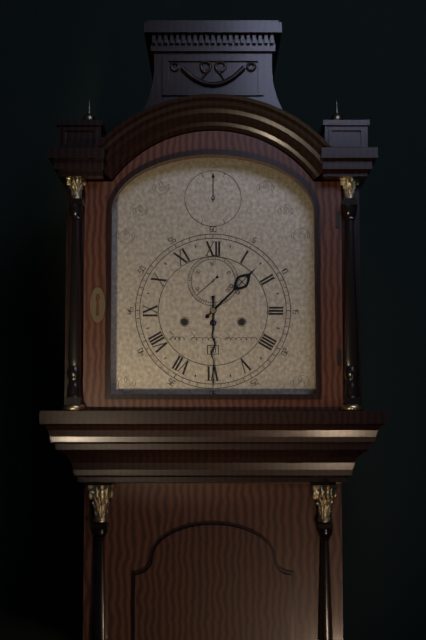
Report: {"hour": 1, "minute": 30}
